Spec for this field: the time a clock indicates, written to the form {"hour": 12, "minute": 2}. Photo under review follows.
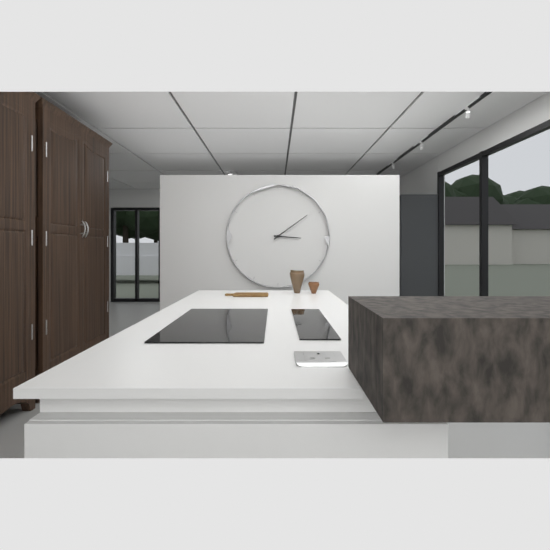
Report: {"hour": 3, "minute": 9}
